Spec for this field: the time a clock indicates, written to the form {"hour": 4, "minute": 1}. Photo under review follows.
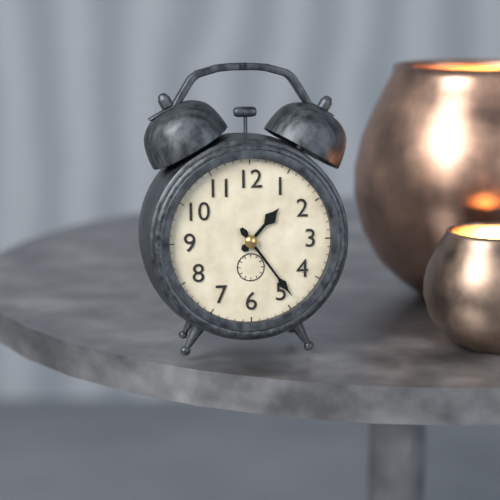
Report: {"hour": 1, "minute": 24}
